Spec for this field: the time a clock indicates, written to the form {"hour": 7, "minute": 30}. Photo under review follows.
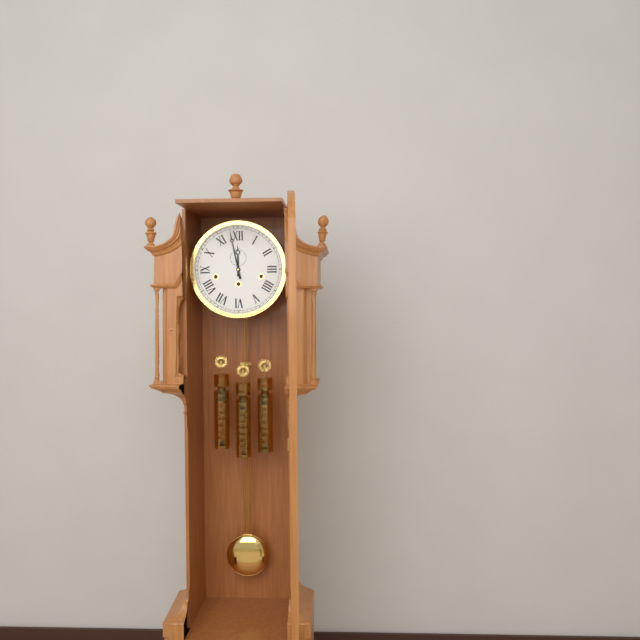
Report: {"hour": 11, "minute": 58}
